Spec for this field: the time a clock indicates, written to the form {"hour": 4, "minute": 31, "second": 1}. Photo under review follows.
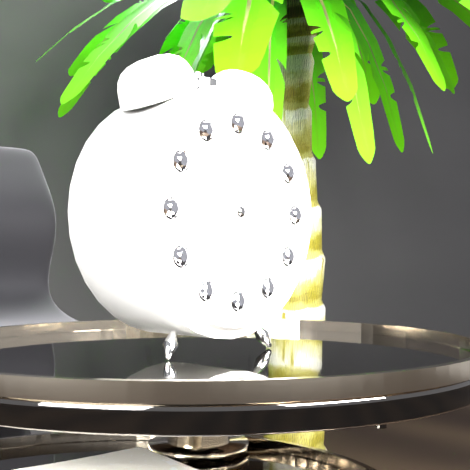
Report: {"hour": 8, "minute": 35, "second": 49}
